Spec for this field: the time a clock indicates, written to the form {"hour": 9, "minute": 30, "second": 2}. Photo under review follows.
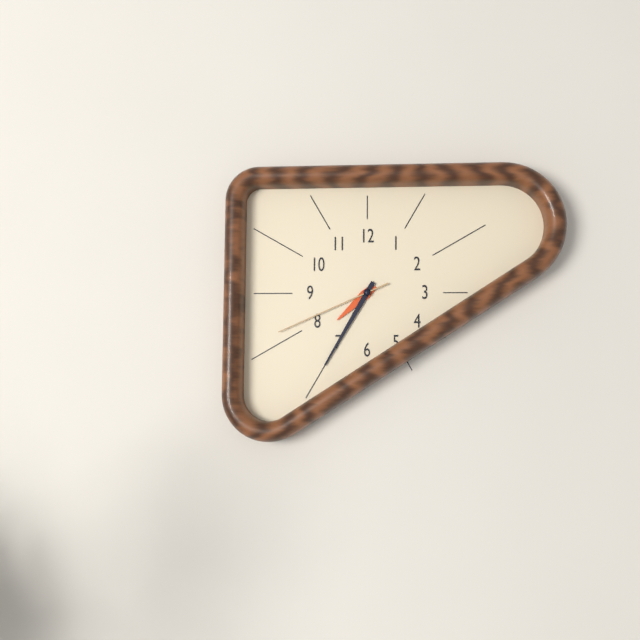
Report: {"hour": 7, "minute": 35, "second": 41}
